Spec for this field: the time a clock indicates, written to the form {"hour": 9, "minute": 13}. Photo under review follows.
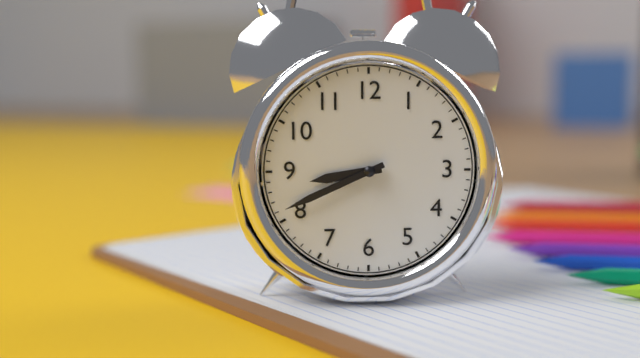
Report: {"hour": 8, "minute": 41}
